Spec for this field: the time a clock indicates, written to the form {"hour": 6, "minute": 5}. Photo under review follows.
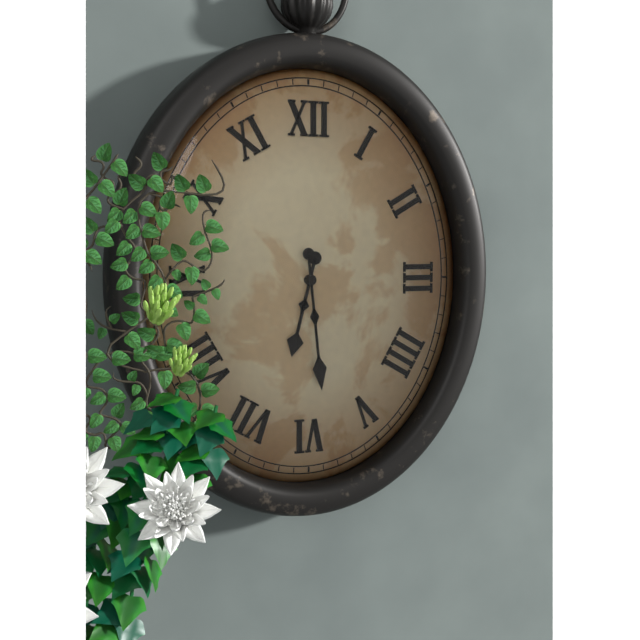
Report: {"hour": 6, "minute": 29}
